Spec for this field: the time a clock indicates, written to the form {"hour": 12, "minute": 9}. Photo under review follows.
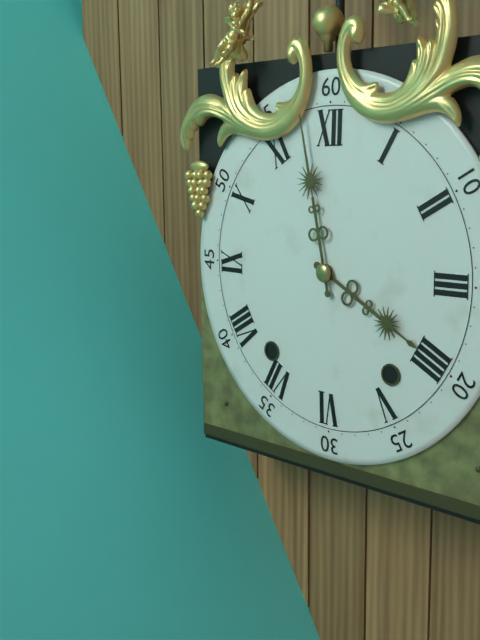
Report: {"hour": 3, "minute": 58}
